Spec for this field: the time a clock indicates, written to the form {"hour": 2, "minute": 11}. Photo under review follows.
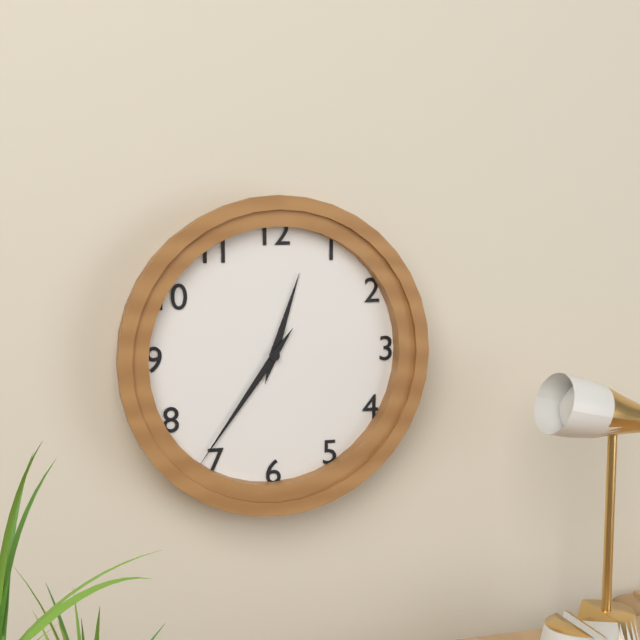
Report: {"hour": 12, "minute": 36}
